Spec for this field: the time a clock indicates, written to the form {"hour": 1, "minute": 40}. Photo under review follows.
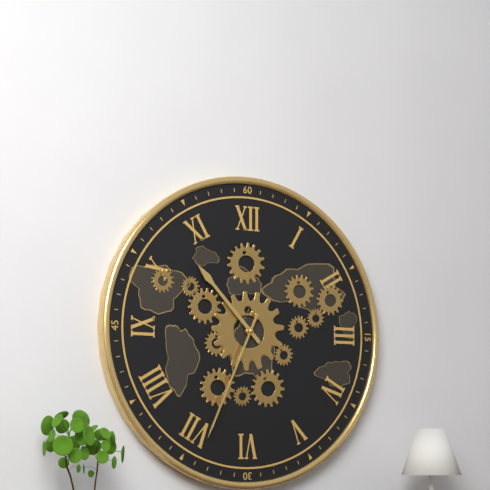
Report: {"hour": 10, "minute": 34}
